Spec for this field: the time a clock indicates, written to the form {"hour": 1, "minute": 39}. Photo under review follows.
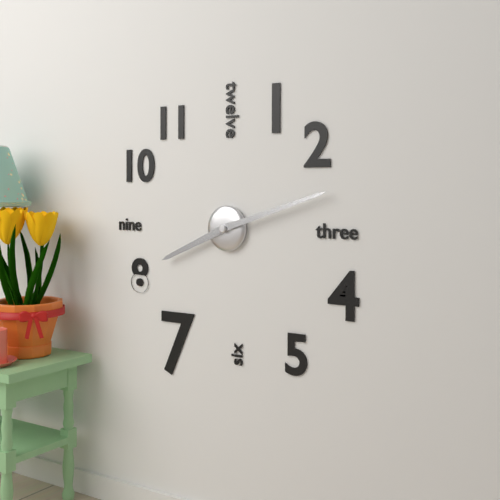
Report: {"hour": 8, "minute": 12}
